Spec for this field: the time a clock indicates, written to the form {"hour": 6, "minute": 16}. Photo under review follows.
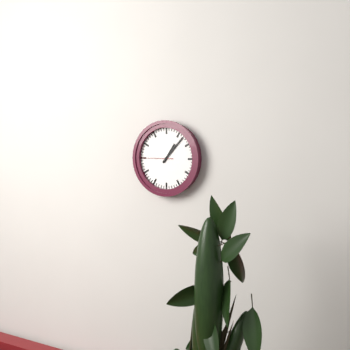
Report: {"hour": 1, "minute": 7}
